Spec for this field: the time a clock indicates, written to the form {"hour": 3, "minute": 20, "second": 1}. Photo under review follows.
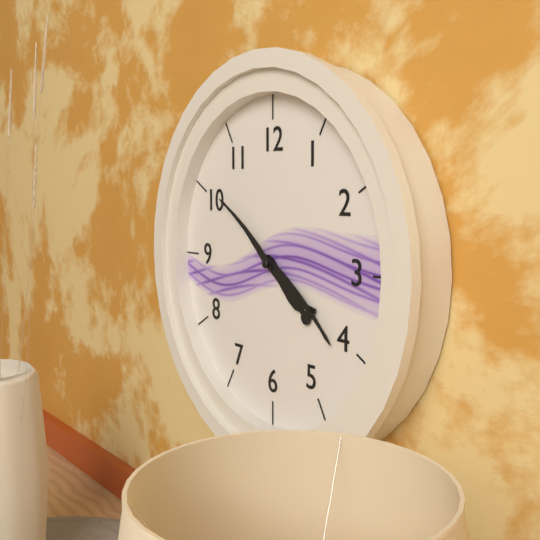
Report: {"hour": 4, "minute": 21, "second": 51}
